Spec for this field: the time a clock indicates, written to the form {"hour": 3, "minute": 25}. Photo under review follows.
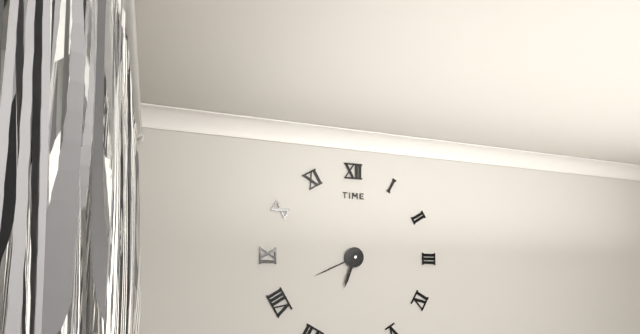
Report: {"hour": 6, "minute": 41}
